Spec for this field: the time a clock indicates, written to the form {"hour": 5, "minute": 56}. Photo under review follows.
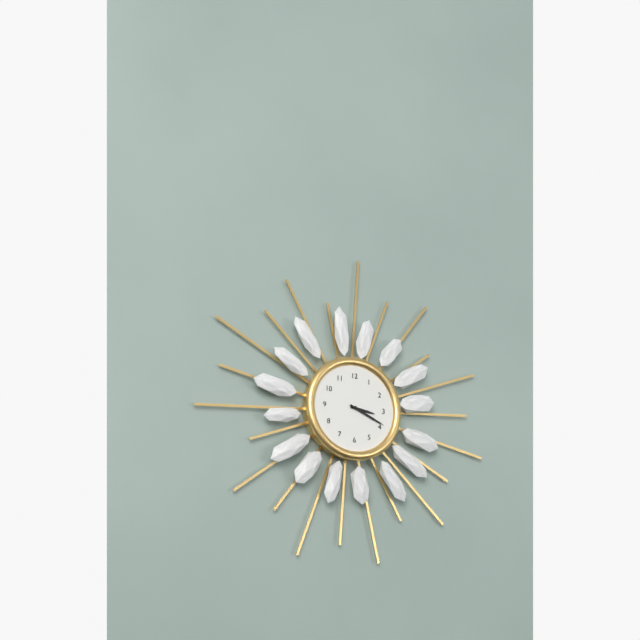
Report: {"hour": 3, "minute": 19}
